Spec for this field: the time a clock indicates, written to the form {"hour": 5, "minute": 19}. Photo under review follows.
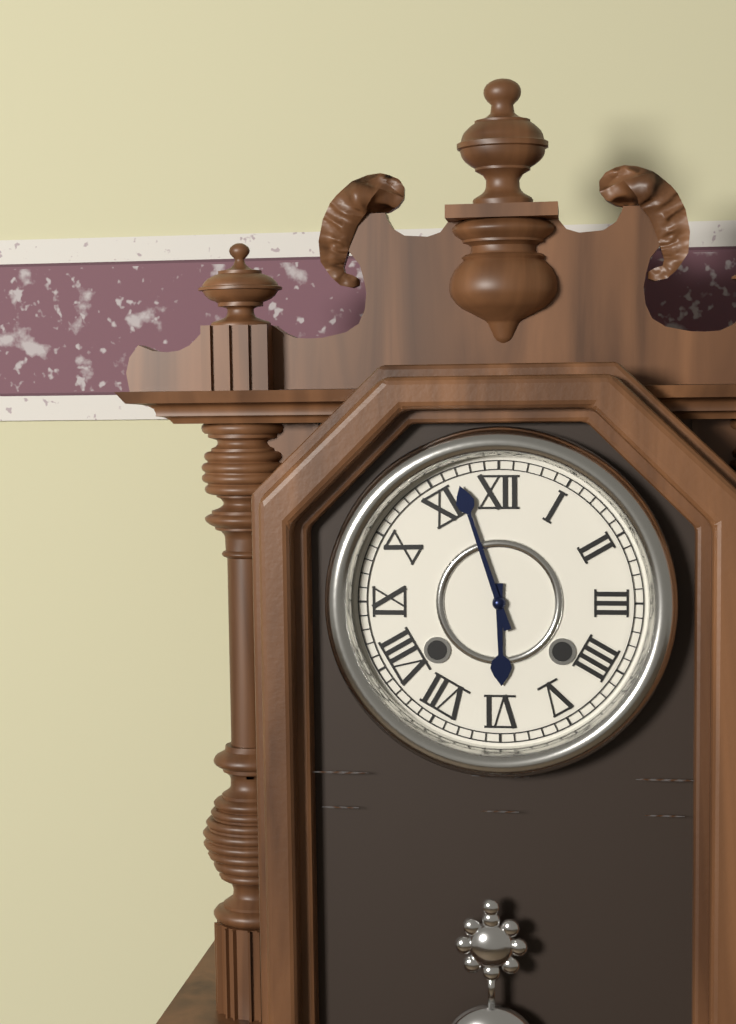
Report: {"hour": 5, "minute": 57}
